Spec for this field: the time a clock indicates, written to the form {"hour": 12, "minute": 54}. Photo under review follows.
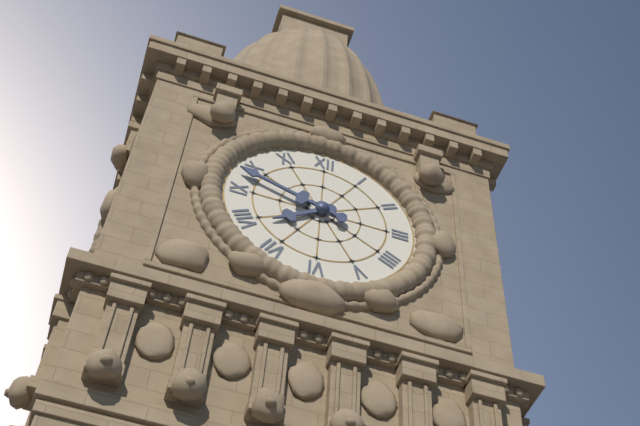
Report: {"hour": 7, "minute": 48}
